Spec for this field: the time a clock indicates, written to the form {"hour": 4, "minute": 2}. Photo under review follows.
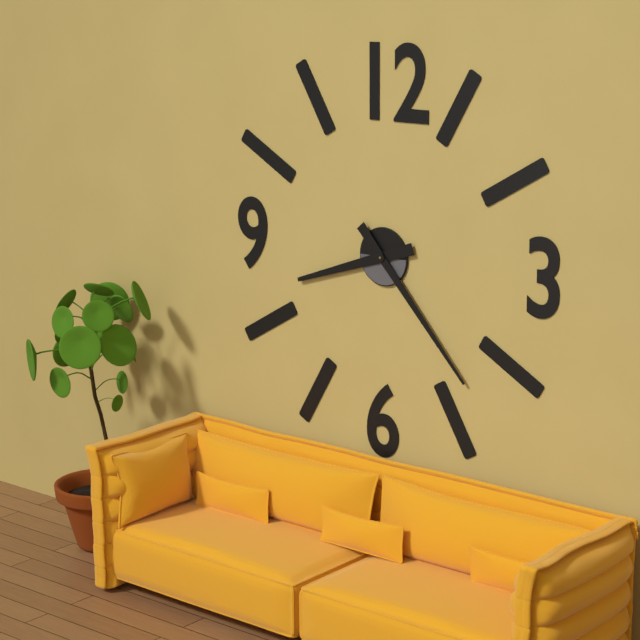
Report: {"hour": 8, "minute": 23}
